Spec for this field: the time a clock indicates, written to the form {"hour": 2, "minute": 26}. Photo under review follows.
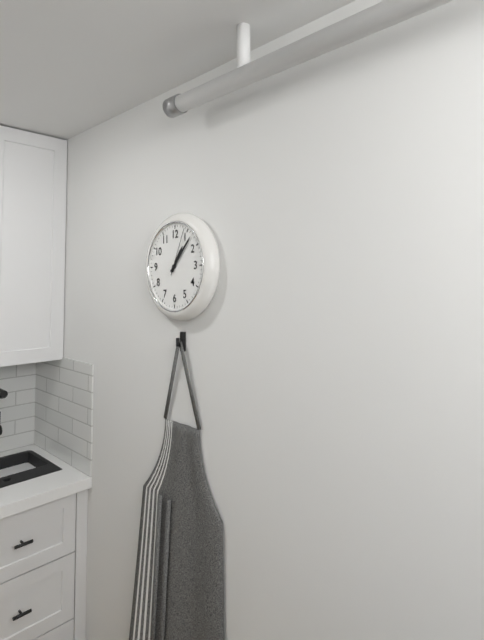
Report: {"hour": 1, "minute": 7}
